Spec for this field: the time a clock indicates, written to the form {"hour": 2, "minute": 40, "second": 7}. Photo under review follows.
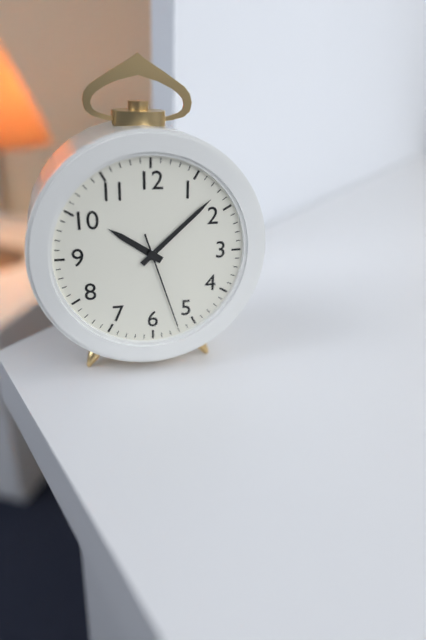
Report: {"hour": 10, "minute": 8, "second": 27}
